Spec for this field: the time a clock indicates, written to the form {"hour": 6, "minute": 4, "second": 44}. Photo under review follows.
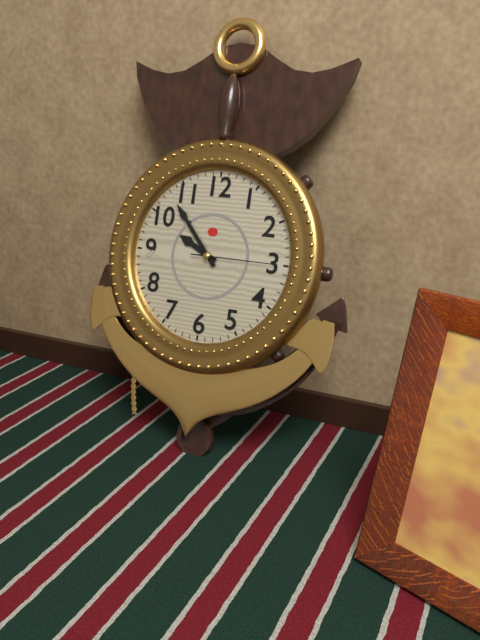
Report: {"hour": 9, "minute": 53, "second": 15}
